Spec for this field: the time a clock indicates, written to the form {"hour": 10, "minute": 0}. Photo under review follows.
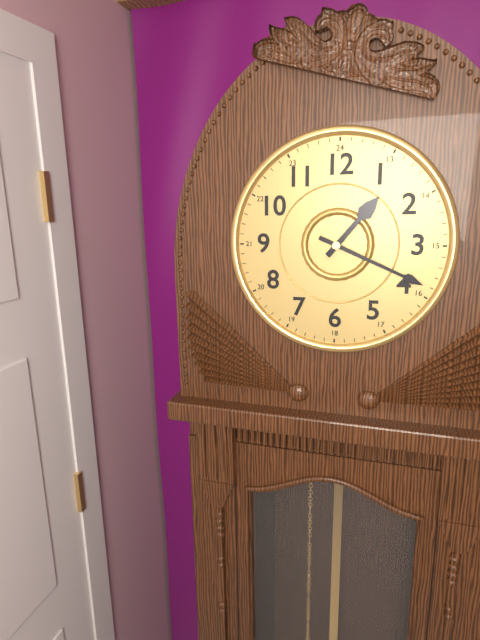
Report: {"hour": 1, "minute": 19}
